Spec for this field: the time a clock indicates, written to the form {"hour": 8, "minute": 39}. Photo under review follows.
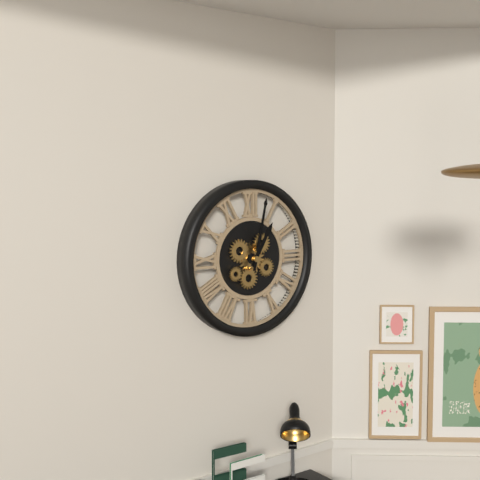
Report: {"hour": 1, "minute": 2}
